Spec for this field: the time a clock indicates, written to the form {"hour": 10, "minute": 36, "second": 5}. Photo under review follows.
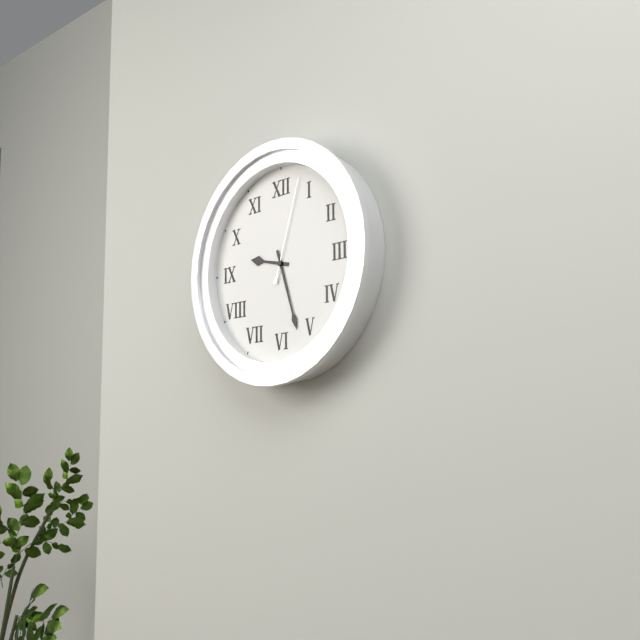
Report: {"hour": 9, "minute": 27, "second": 3}
